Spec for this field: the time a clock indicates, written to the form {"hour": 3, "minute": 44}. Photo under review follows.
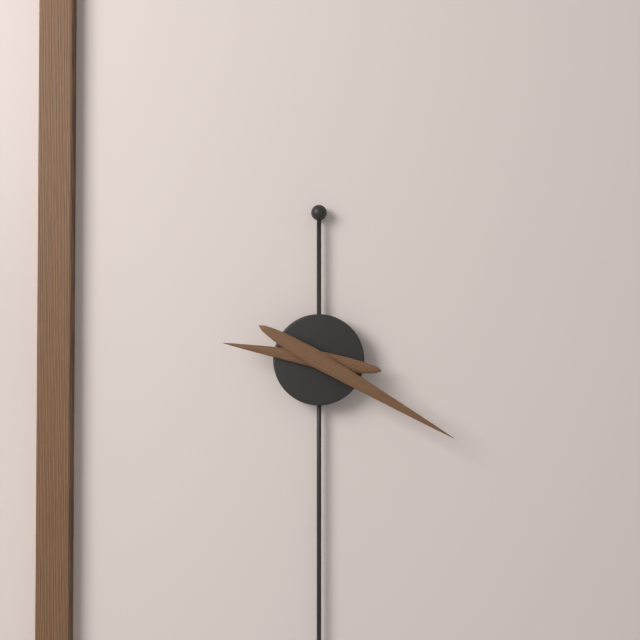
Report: {"hour": 9, "minute": 20}
